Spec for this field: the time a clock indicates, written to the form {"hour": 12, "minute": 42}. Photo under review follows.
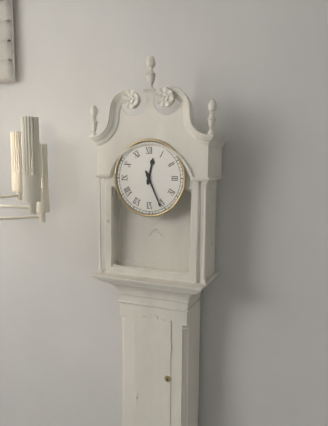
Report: {"hour": 12, "minute": 26}
